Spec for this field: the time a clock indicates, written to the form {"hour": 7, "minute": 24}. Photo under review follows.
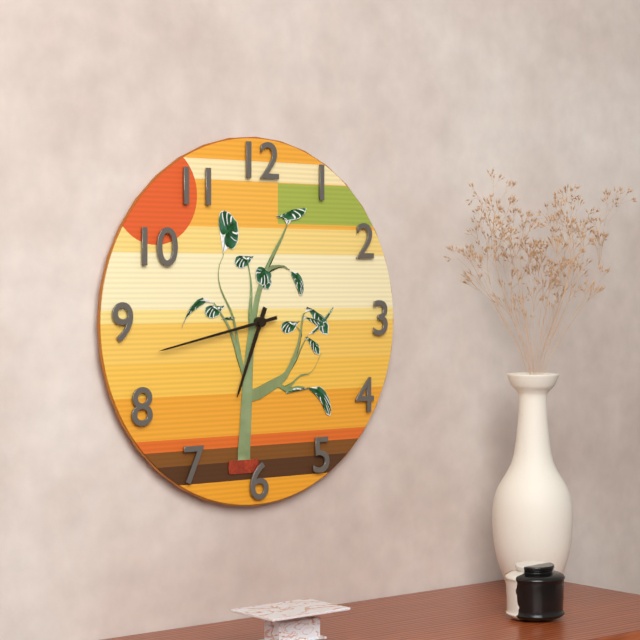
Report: {"hour": 6, "minute": 43}
